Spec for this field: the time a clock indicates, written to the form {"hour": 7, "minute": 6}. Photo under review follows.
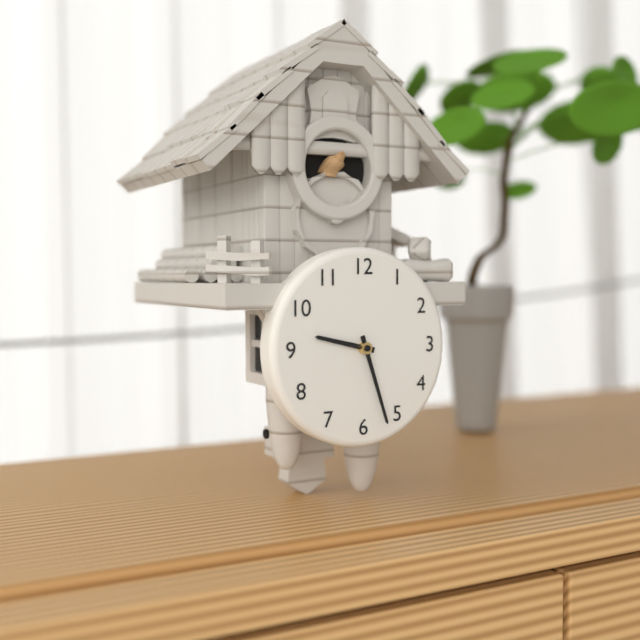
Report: {"hour": 9, "minute": 27}
